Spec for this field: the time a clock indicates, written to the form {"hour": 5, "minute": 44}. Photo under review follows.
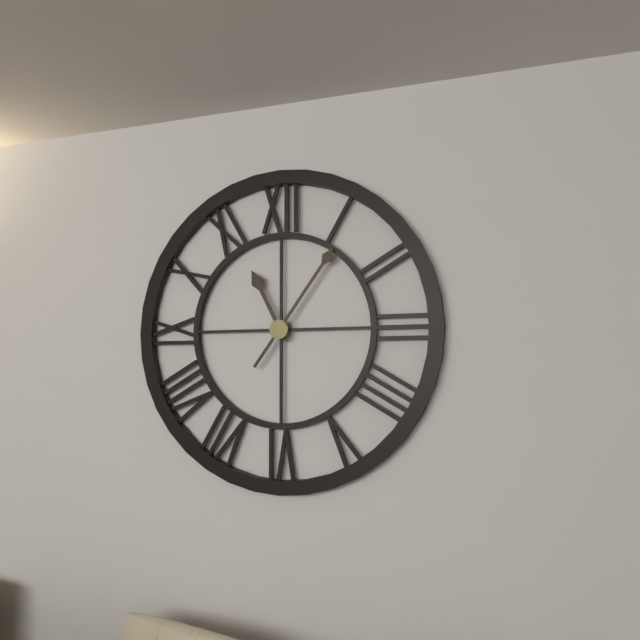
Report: {"hour": 11, "minute": 6}
